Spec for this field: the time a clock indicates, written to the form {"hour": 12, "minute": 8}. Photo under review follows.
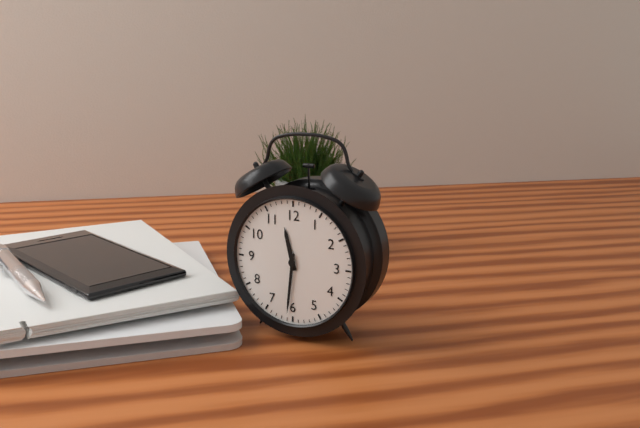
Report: {"hour": 11, "minute": 31}
